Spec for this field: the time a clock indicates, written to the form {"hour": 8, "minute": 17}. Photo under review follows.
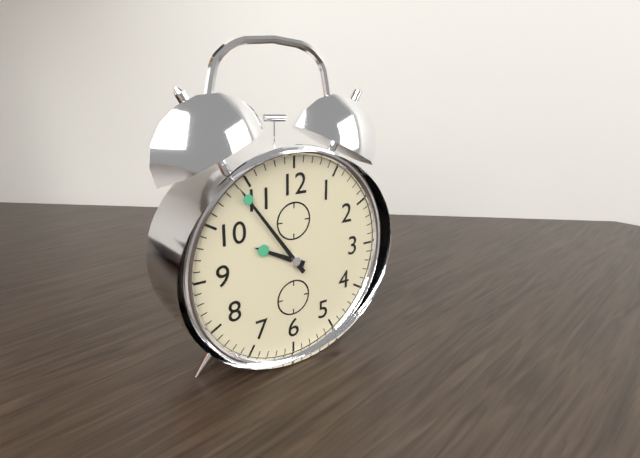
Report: {"hour": 9, "minute": 54}
